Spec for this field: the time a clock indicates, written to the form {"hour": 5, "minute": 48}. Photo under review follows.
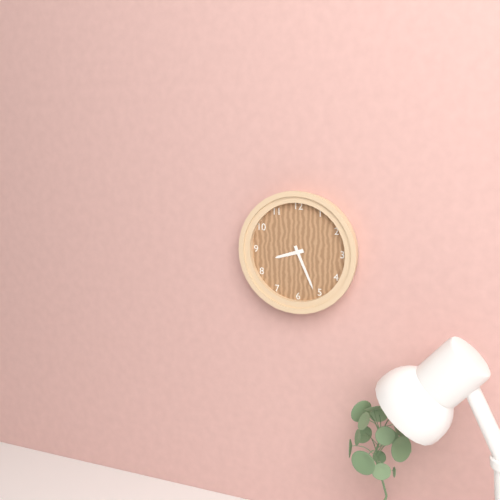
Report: {"hour": 8, "minute": 26}
